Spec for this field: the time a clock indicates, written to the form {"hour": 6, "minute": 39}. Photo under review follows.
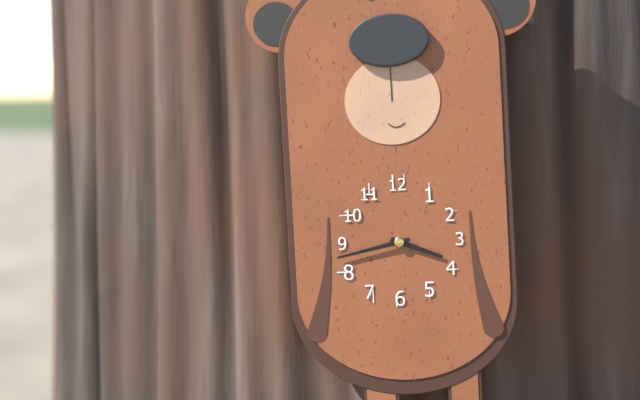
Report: {"hour": 3, "minute": 43}
